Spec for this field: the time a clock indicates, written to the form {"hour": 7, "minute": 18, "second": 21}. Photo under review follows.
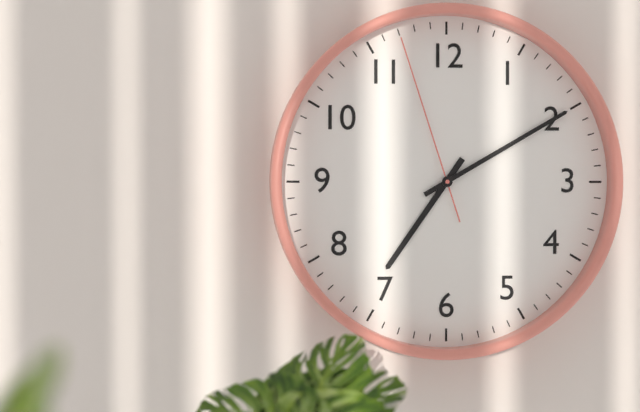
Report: {"hour": 7, "minute": 10, "second": 57}
